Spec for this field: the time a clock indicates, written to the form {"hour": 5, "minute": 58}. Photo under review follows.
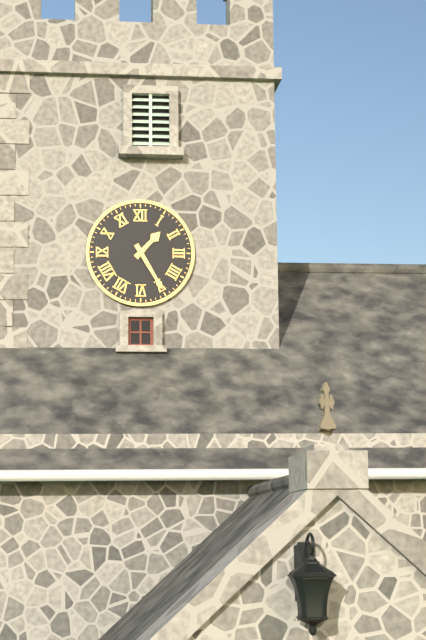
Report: {"hour": 1, "minute": 25}
